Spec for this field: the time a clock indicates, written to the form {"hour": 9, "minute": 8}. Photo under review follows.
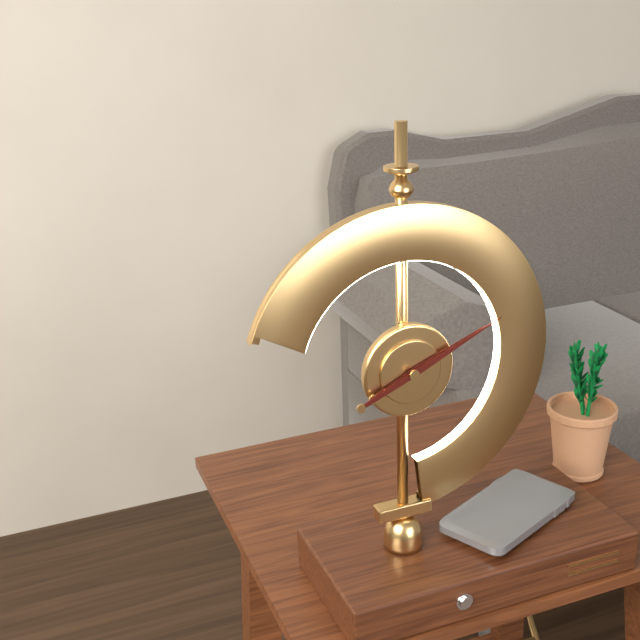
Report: {"hour": 2, "minute": 11}
